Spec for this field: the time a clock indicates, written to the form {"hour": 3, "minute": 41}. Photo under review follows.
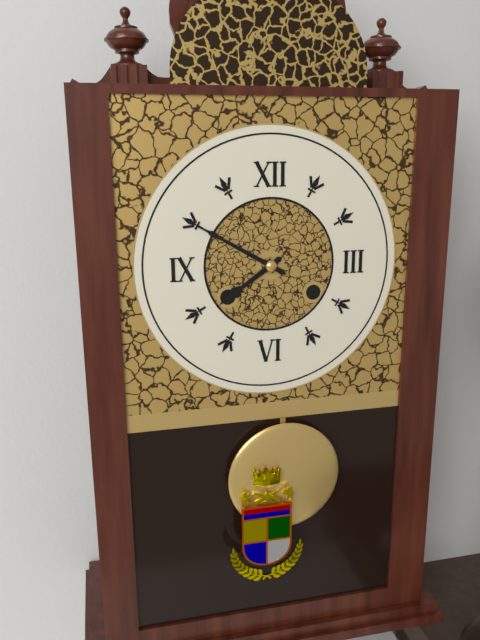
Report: {"hour": 7, "minute": 50}
